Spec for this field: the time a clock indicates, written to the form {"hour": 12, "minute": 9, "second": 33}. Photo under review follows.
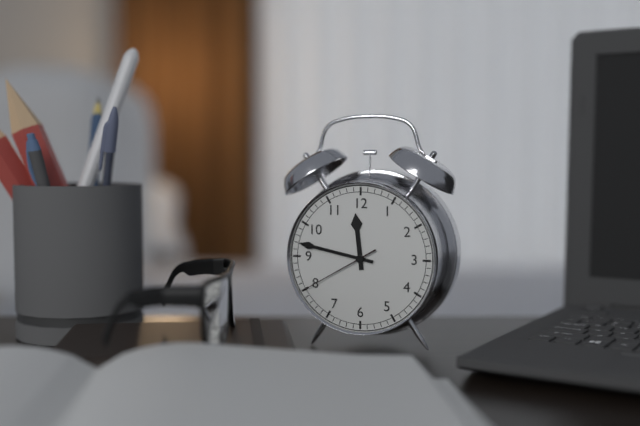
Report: {"hour": 11, "minute": 47, "second": 40}
